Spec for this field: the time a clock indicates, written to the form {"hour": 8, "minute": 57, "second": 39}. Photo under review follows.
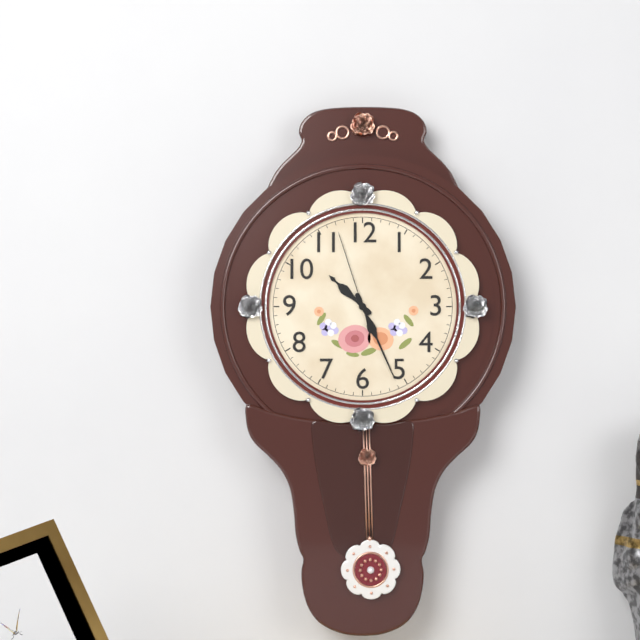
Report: {"hour": 10, "minute": 26, "second": 57}
